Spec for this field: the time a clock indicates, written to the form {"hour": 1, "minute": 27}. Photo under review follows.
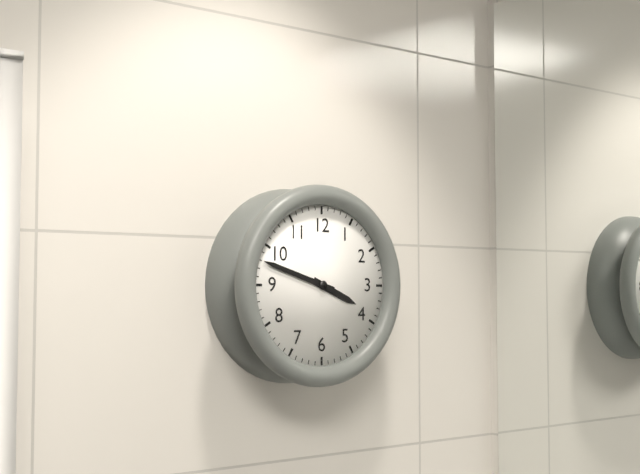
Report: {"hour": 3, "minute": 48}
